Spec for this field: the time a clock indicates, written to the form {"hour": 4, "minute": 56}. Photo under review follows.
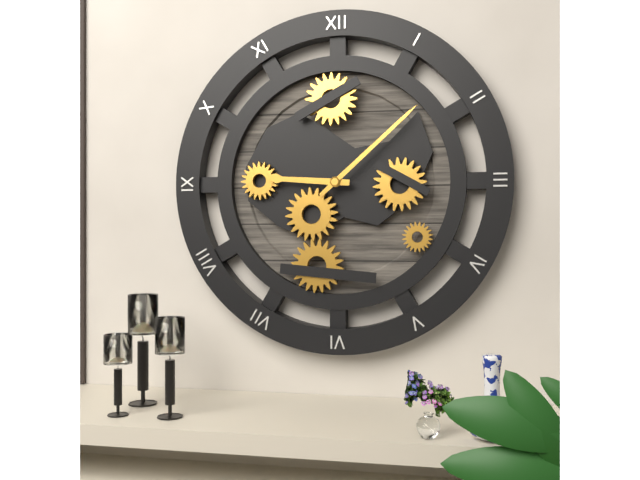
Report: {"hour": 9, "minute": 8}
